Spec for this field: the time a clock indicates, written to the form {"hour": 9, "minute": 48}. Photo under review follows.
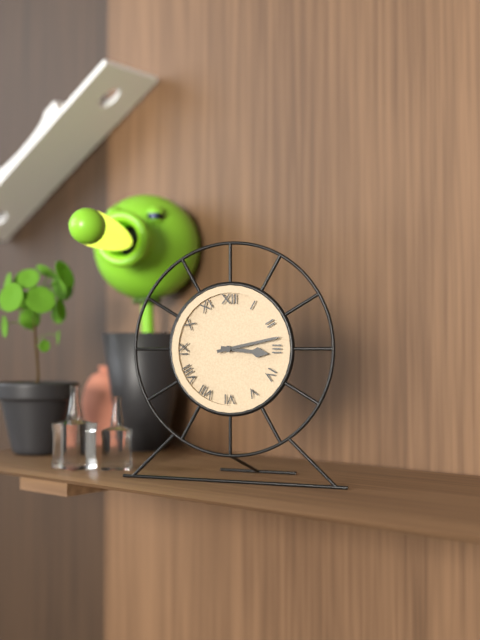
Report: {"hour": 3, "minute": 13}
